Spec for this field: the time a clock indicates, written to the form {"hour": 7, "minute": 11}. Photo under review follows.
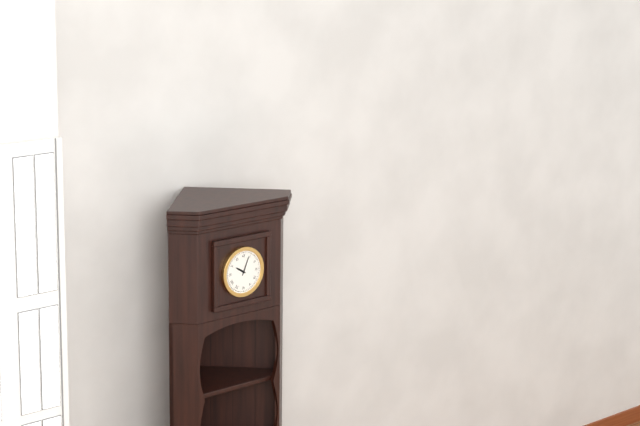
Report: {"hour": 10, "minute": 4}
